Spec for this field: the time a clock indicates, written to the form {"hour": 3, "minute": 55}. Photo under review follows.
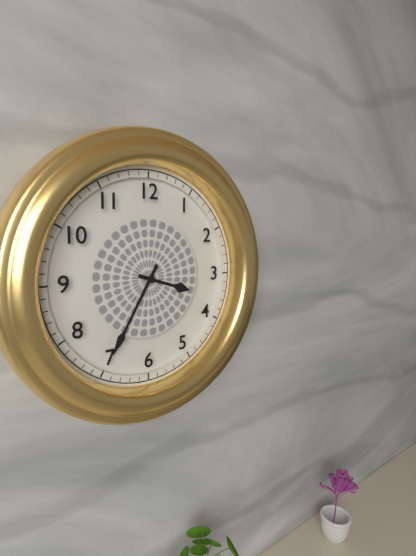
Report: {"hour": 3, "minute": 35}
